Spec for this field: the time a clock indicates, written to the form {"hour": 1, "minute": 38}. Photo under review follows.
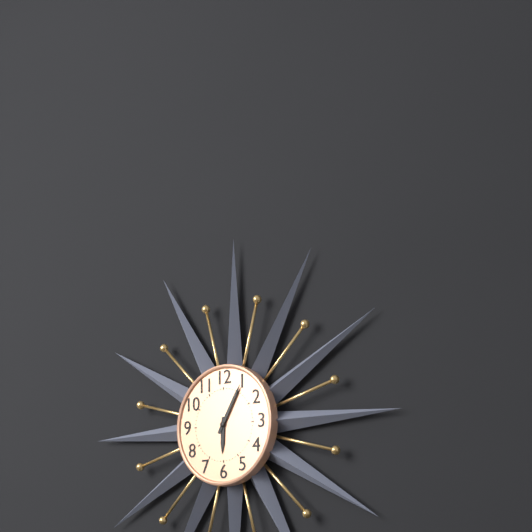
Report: {"hour": 6, "minute": 5}
